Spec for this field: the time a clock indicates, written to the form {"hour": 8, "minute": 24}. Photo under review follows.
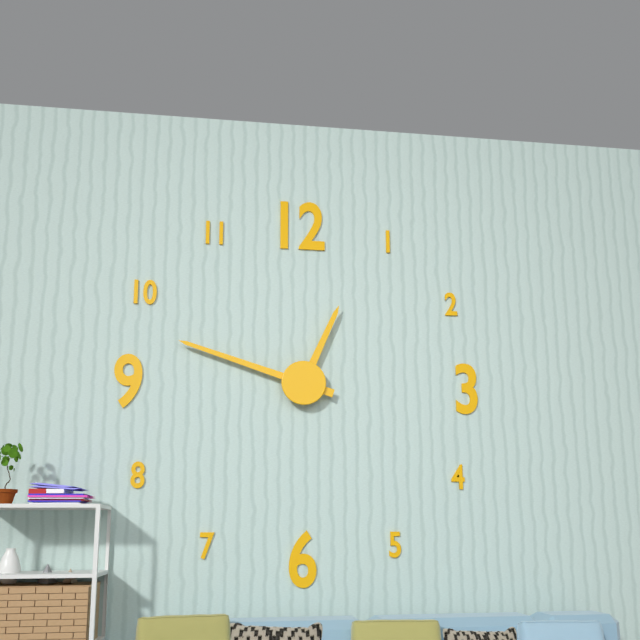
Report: {"hour": 12, "minute": 48}
